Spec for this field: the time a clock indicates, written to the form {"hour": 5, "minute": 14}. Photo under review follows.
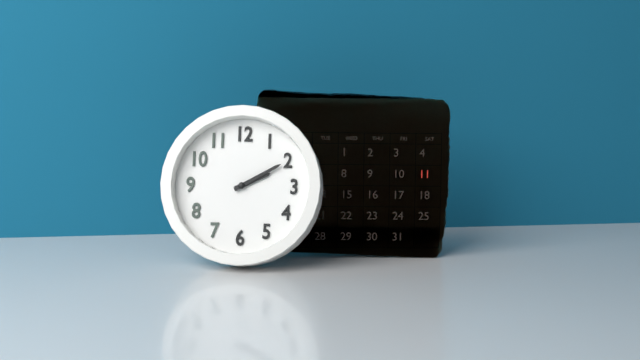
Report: {"hour": 2, "minute": 10}
